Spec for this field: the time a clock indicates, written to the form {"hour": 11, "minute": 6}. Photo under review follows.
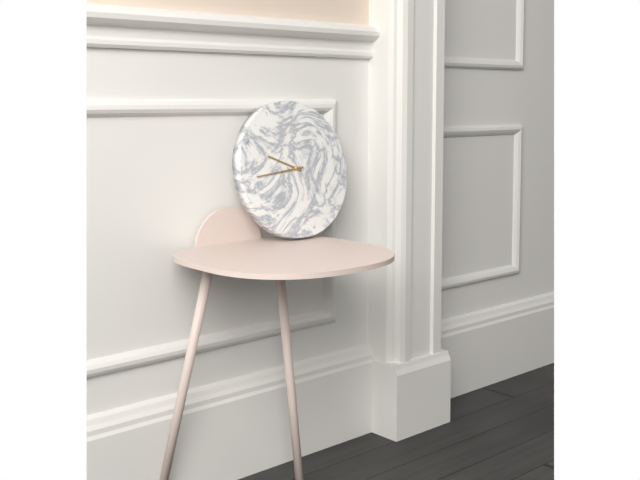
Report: {"hour": 9, "minute": 44}
